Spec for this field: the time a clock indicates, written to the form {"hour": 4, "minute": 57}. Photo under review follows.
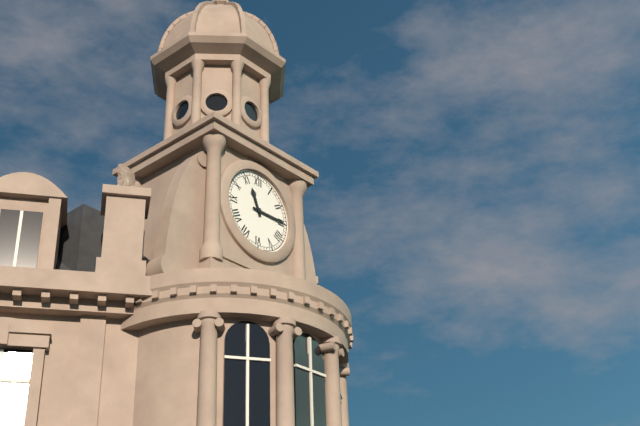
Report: {"hour": 11, "minute": 15}
